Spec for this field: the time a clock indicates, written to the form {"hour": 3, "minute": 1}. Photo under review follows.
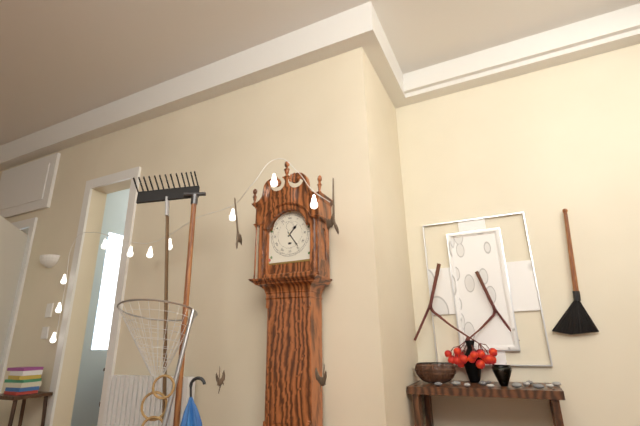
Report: {"hour": 1, "minute": 24}
